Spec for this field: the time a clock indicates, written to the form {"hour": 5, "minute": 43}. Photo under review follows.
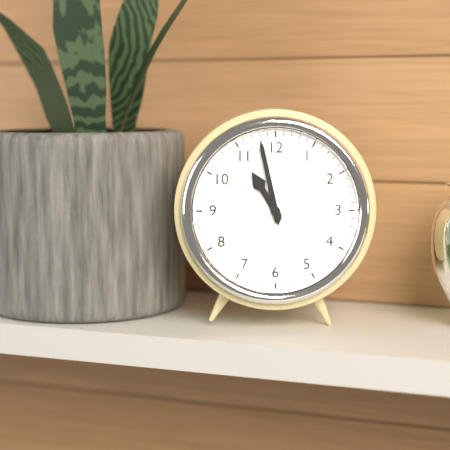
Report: {"hour": 10, "minute": 58}
